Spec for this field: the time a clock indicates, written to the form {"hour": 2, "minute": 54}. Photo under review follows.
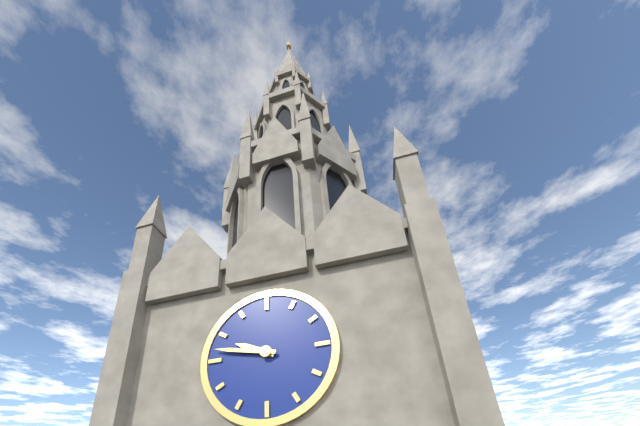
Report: {"hour": 9, "minute": 47}
